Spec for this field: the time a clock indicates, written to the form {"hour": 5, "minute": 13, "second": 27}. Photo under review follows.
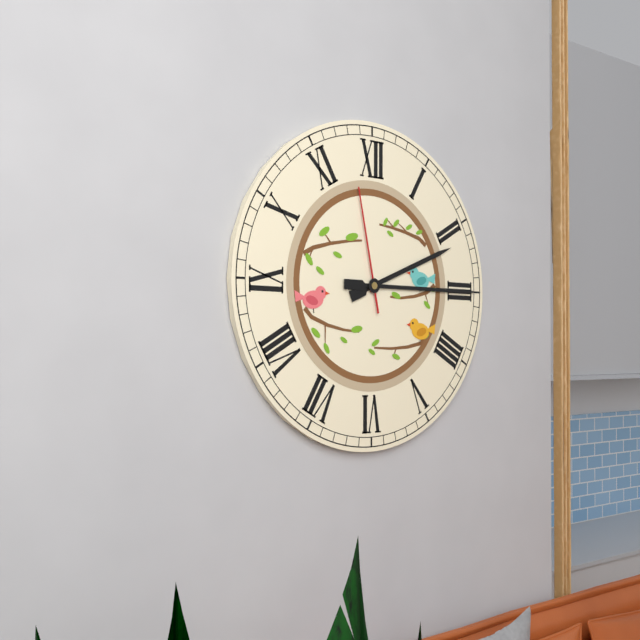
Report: {"hour": 2, "minute": 15, "second": 58}
